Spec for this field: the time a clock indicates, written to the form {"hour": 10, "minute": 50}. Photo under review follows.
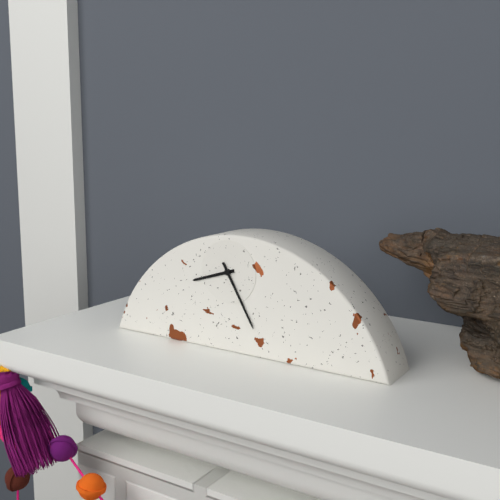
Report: {"hour": 8, "minute": 25}
